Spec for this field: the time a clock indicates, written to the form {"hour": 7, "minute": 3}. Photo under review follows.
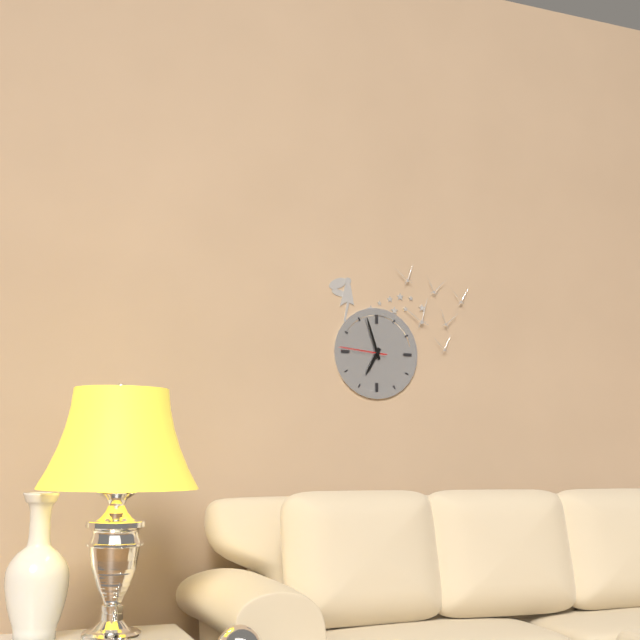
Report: {"hour": 6, "minute": 57}
